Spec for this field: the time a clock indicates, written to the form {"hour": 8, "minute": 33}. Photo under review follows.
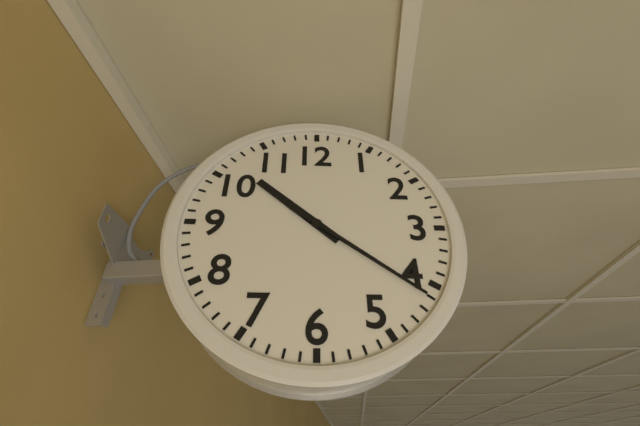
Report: {"hour": 10, "minute": 21}
